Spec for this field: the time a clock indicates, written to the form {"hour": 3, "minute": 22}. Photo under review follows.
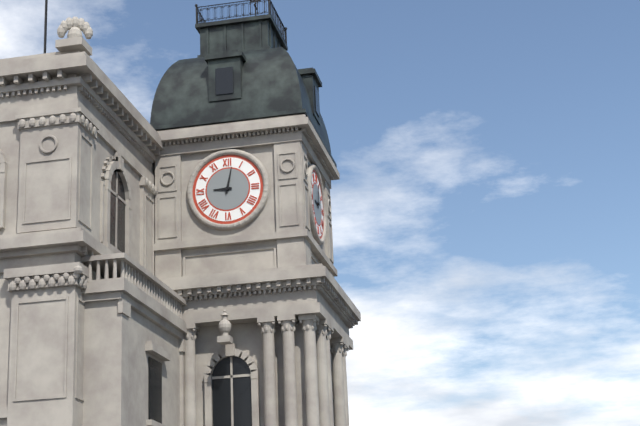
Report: {"hour": 9, "minute": 2}
